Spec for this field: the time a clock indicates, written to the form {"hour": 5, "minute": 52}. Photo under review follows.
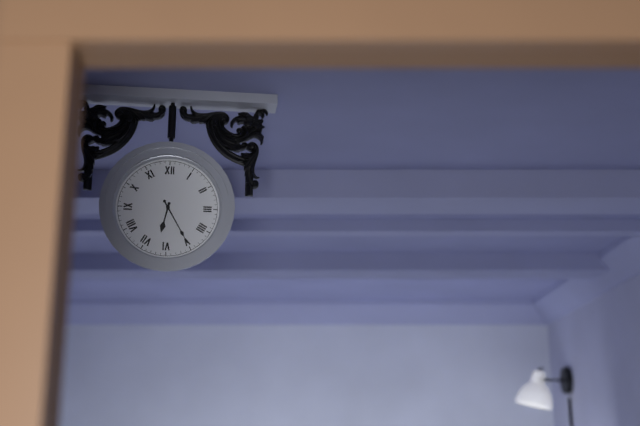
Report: {"hour": 6, "minute": 25}
